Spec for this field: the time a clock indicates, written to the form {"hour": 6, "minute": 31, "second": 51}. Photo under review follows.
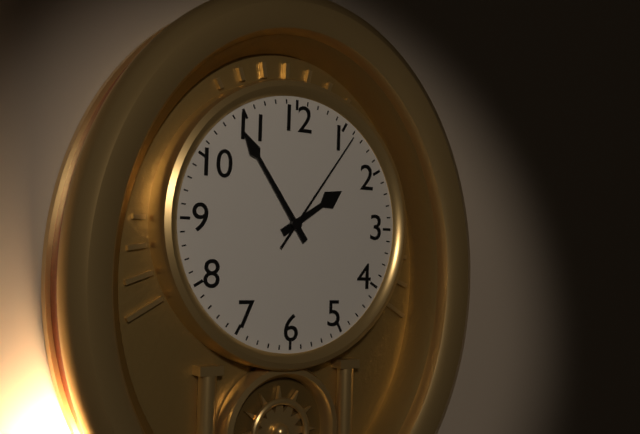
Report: {"hour": 1, "minute": 54, "second": 6}
